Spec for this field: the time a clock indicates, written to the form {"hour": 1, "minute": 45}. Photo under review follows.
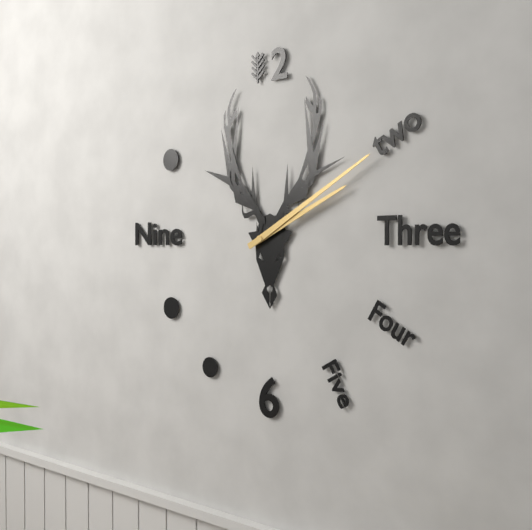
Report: {"hour": 2, "minute": 10}
